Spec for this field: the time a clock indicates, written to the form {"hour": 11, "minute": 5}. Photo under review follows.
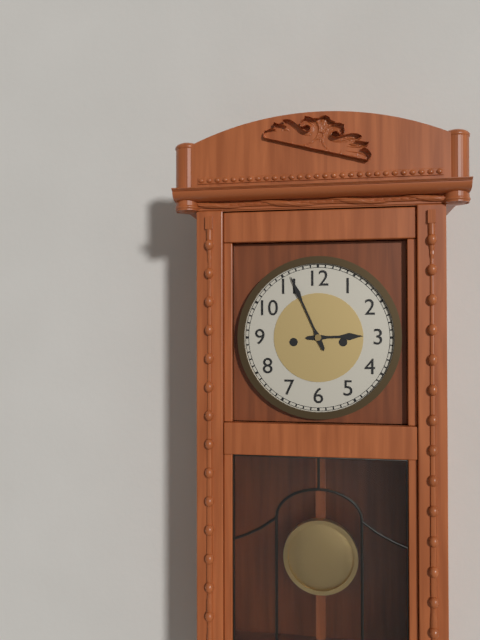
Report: {"hour": 2, "minute": 56}
